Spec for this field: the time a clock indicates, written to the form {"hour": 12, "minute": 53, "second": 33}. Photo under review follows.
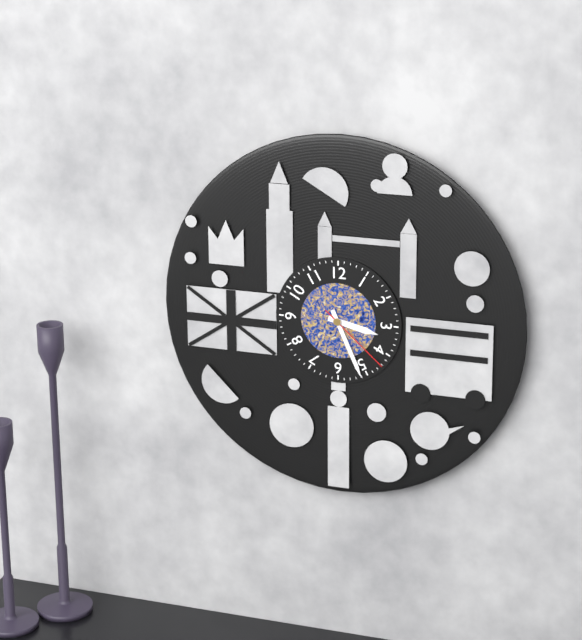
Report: {"hour": 3, "minute": 26, "second": 22}
